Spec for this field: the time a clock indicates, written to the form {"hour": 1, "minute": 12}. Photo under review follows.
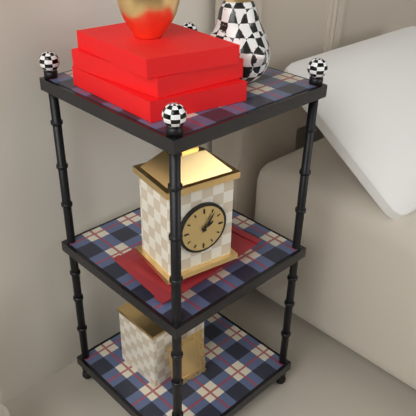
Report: {"hour": 2, "minute": 6}
